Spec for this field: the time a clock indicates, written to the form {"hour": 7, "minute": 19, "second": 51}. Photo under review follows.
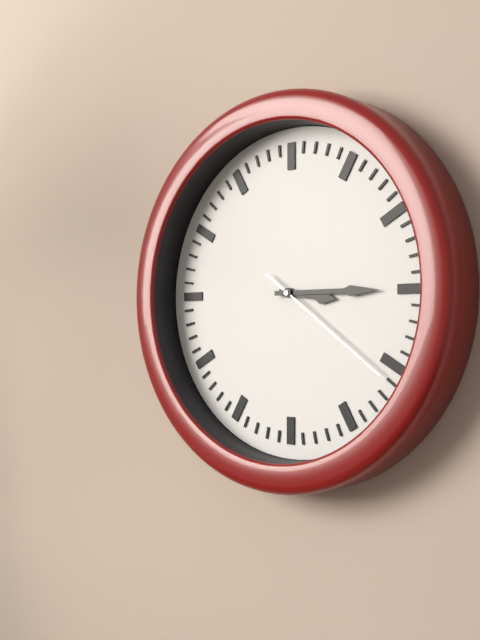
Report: {"hour": 3, "minute": 15, "second": 21}
